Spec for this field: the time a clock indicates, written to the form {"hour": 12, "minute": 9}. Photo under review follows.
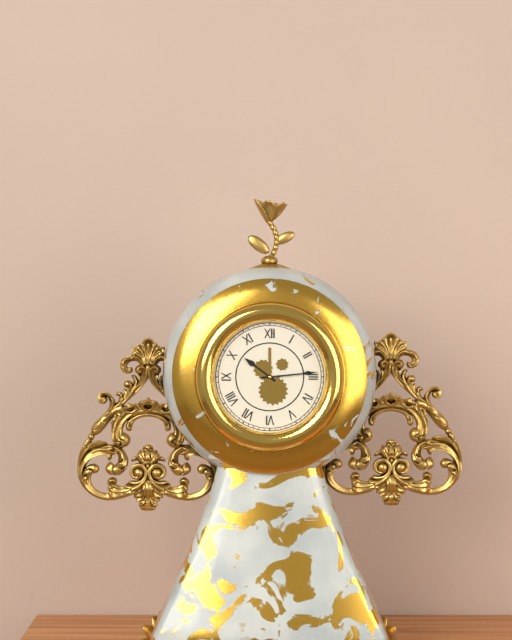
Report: {"hour": 10, "minute": 14}
